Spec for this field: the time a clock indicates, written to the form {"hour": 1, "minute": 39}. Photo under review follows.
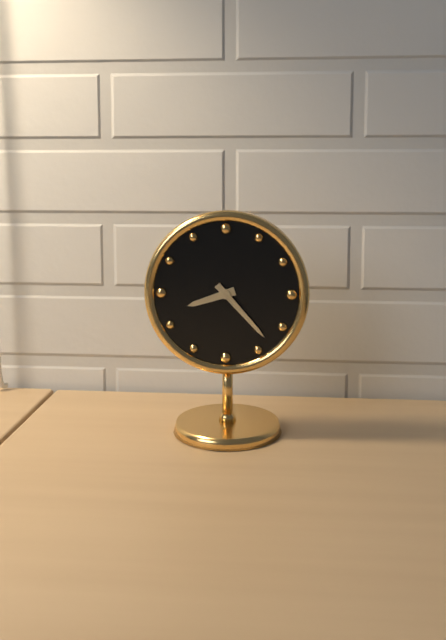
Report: {"hour": 8, "minute": 23}
